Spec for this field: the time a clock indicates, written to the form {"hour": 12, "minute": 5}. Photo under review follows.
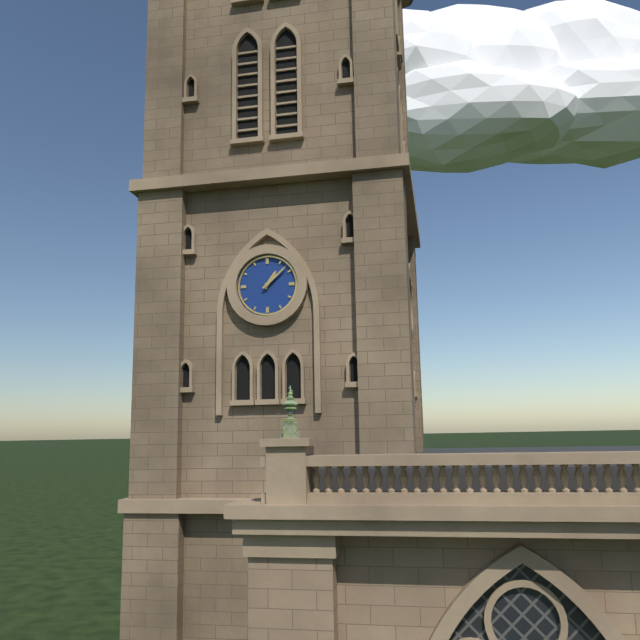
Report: {"hour": 1, "minute": 8}
